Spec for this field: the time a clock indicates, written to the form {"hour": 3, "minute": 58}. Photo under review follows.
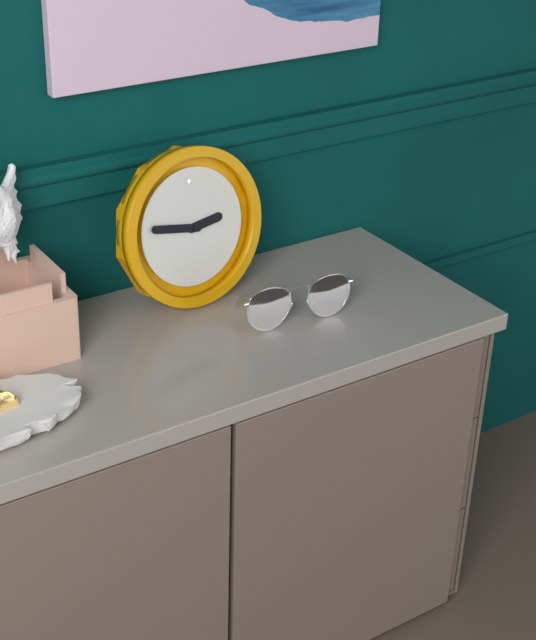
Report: {"hour": 2, "minute": 47}
